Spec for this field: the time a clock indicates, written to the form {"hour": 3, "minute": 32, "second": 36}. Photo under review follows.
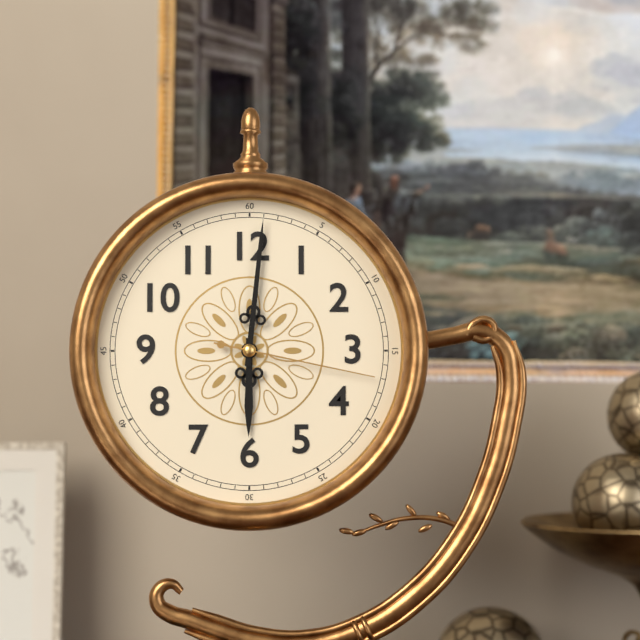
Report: {"hour": 6, "minute": 1, "second": 17}
